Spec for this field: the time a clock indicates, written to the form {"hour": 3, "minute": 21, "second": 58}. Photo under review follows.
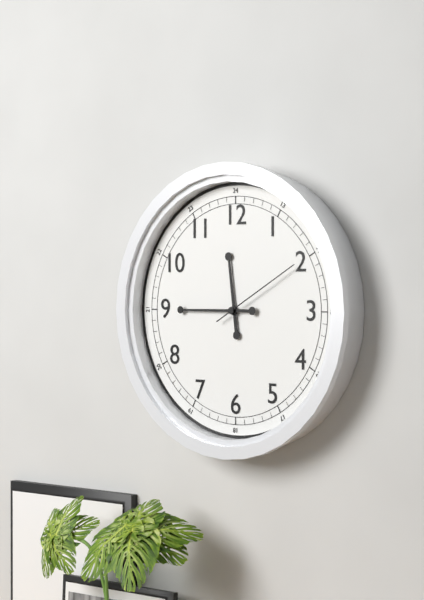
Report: {"hour": 11, "minute": 45, "second": 10}
